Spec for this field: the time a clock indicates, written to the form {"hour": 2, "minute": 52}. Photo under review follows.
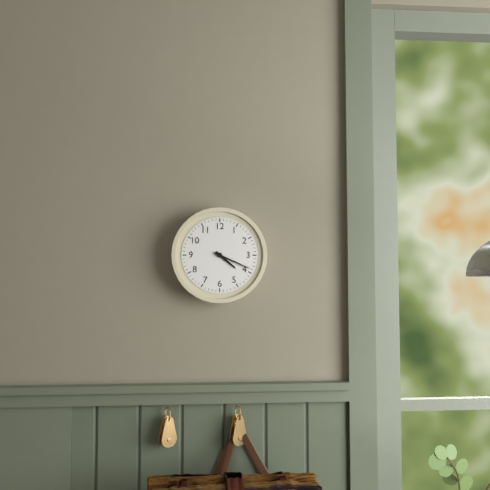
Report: {"hour": 4, "minute": 19}
